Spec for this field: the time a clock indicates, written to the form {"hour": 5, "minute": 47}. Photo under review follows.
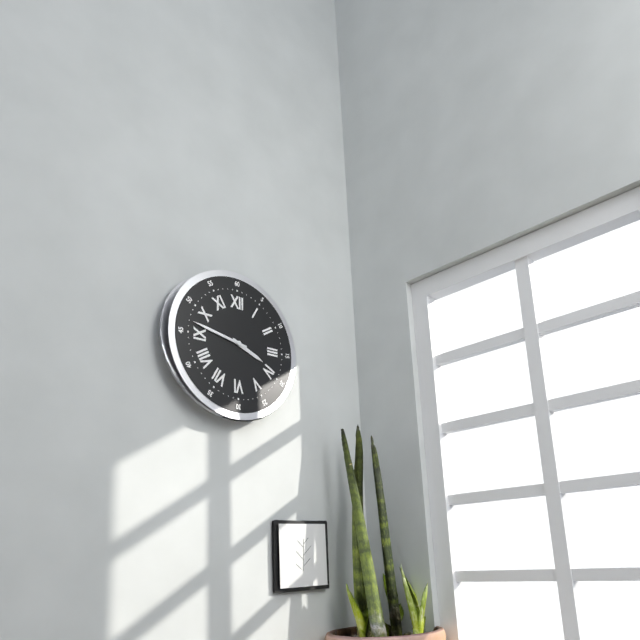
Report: {"hour": 3, "minute": 47}
